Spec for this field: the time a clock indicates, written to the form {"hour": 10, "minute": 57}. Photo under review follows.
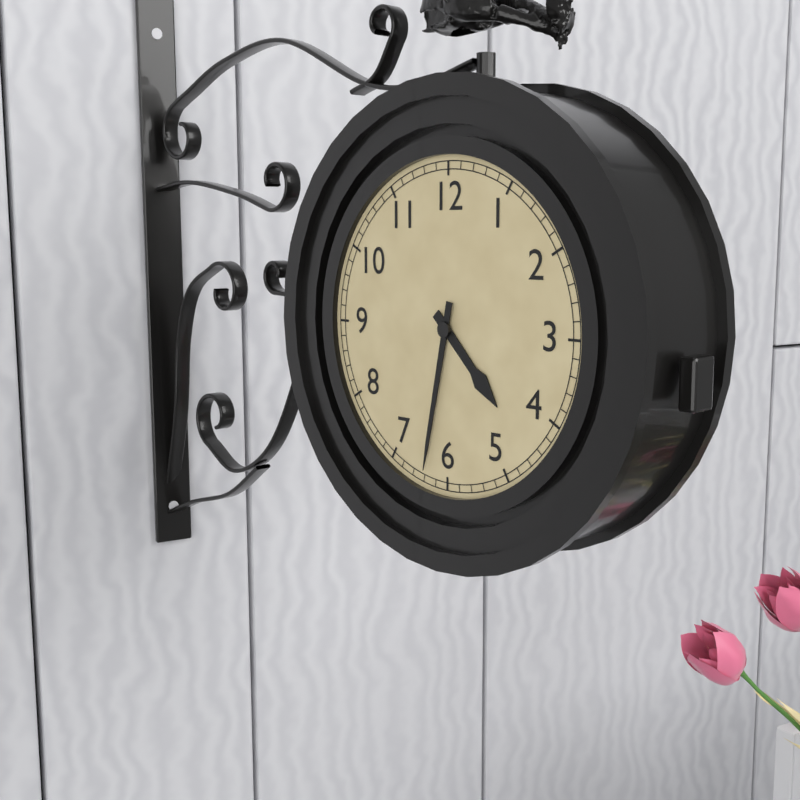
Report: {"hour": 4, "minute": 32}
